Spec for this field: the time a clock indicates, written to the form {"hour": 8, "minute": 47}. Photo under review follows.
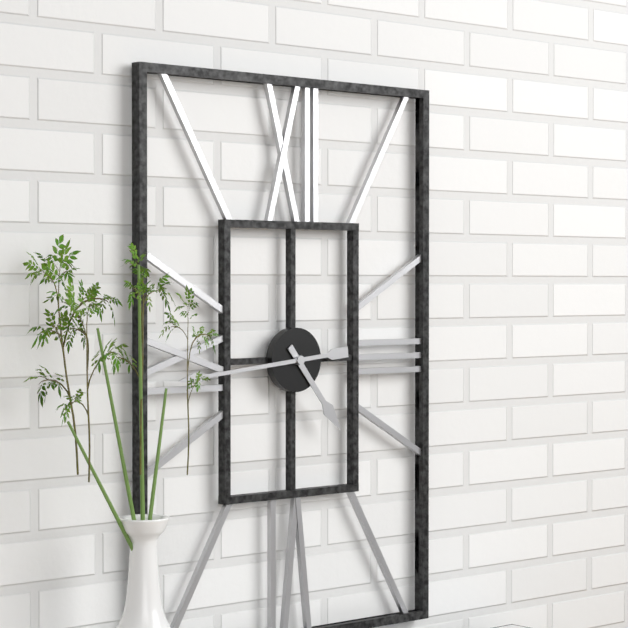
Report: {"hour": 4, "minute": 44}
